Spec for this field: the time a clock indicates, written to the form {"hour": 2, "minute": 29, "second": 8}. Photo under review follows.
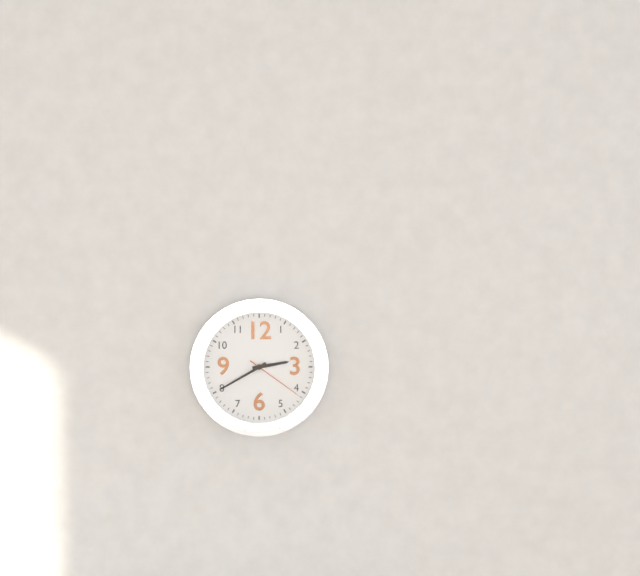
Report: {"hour": 2, "minute": 40, "second": 21}
